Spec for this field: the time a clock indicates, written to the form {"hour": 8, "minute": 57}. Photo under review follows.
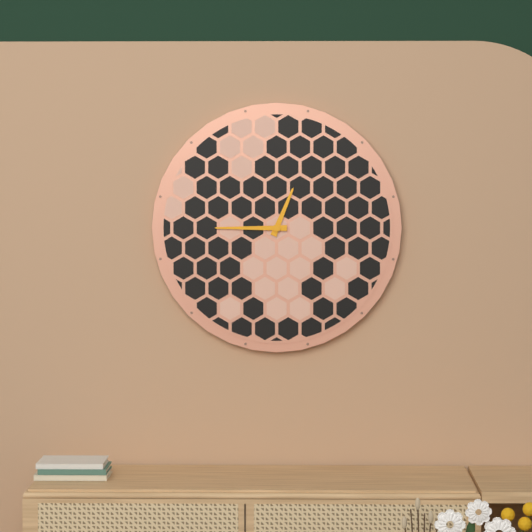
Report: {"hour": 12, "minute": 45}
